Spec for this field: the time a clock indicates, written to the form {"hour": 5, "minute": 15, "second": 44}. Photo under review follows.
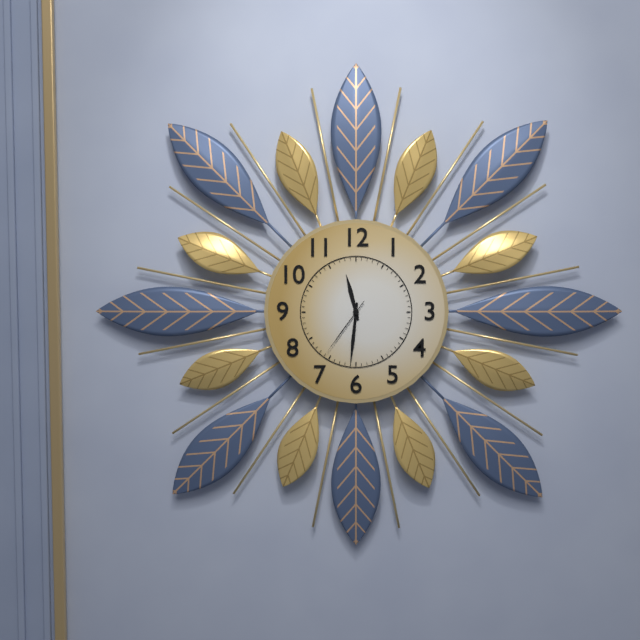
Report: {"hour": 11, "minute": 31, "second": 36}
